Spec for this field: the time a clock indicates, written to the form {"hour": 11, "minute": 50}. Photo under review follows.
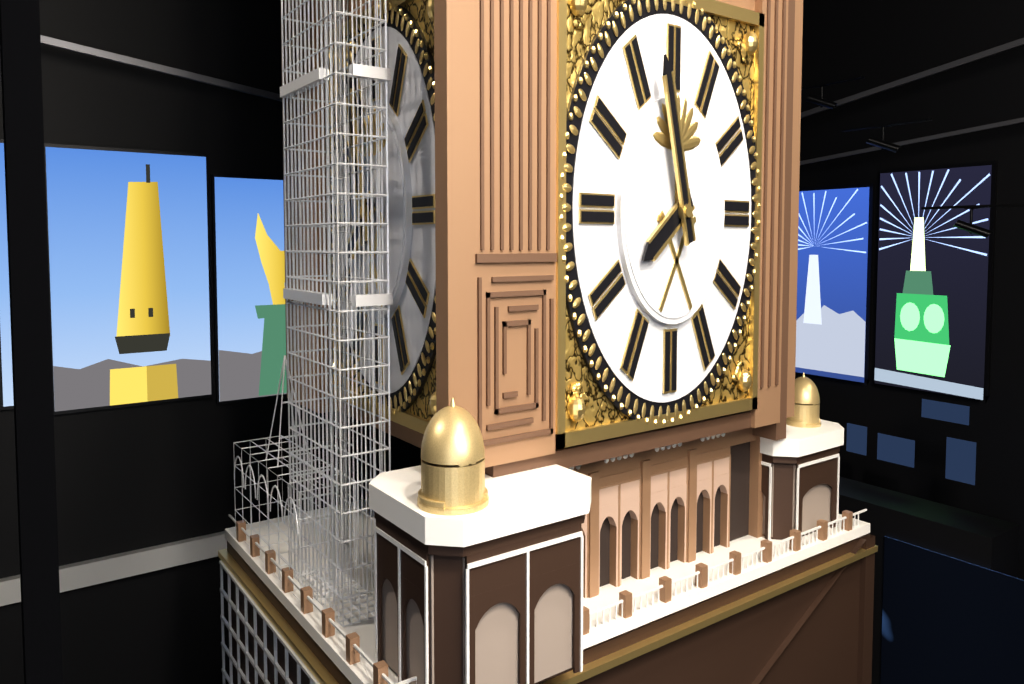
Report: {"hour": 7, "minute": 57}
